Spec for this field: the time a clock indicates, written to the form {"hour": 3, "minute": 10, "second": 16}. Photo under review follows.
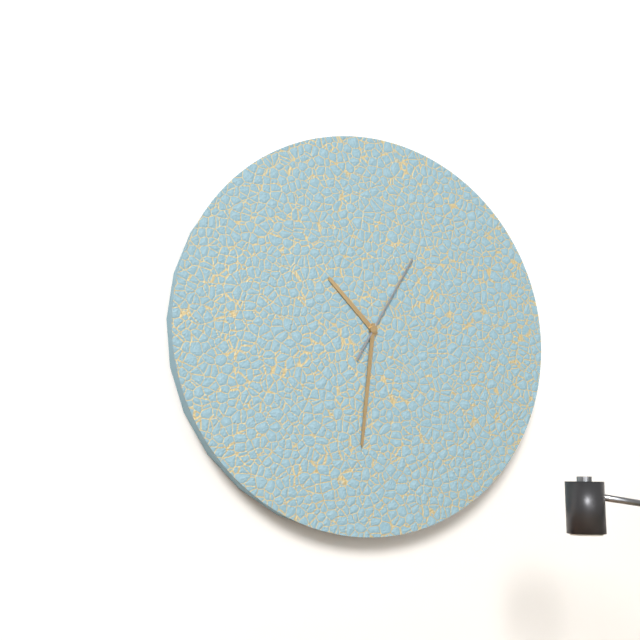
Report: {"hour": 10, "minute": 31, "second": 5}
